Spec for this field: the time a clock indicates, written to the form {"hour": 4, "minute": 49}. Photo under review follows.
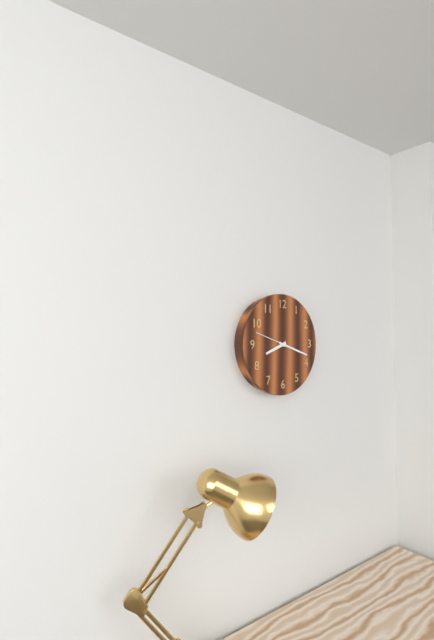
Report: {"hour": 8, "minute": 18}
